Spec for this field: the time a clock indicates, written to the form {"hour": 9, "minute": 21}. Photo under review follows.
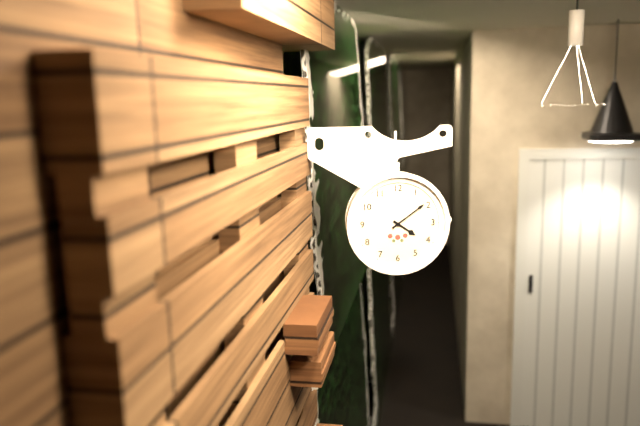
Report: {"hour": 4, "minute": 9}
